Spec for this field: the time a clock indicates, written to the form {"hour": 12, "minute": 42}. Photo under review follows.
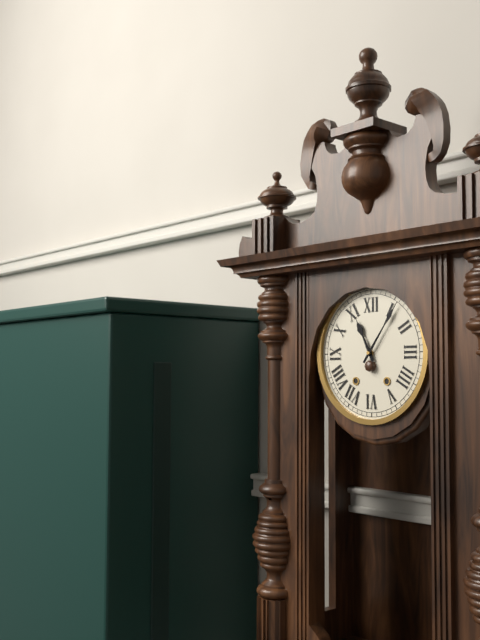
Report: {"hour": 11, "minute": 6}
